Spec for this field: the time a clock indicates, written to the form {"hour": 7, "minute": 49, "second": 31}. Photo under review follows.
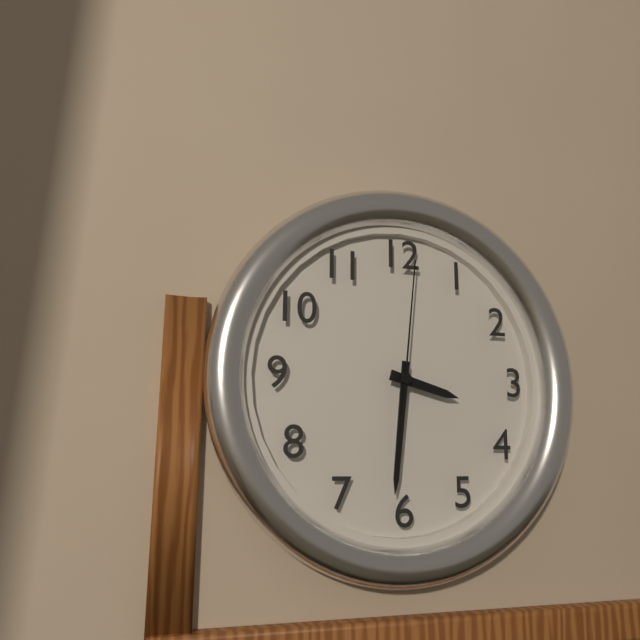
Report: {"hour": 3, "minute": 31, "second": 1}
